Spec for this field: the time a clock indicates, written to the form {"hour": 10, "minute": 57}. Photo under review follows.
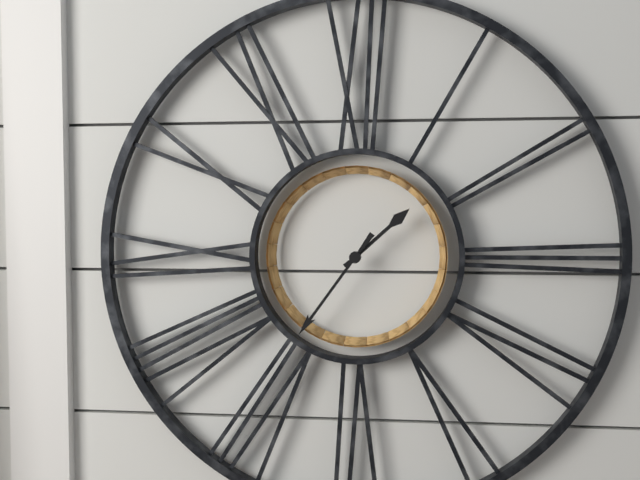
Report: {"hour": 1, "minute": 36}
